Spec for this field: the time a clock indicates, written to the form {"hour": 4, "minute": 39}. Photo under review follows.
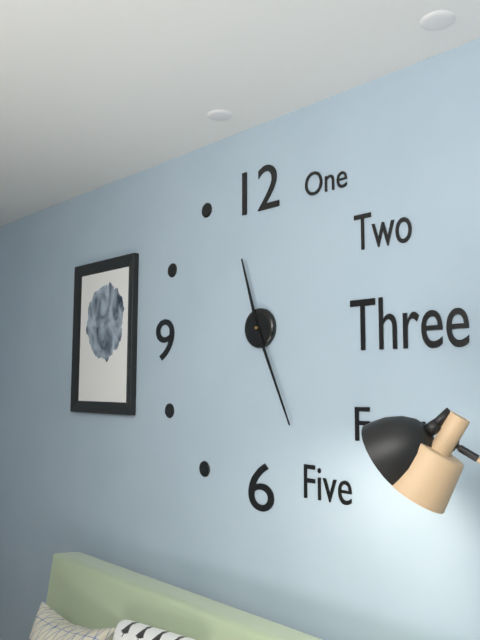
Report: {"hour": 11, "minute": 26}
